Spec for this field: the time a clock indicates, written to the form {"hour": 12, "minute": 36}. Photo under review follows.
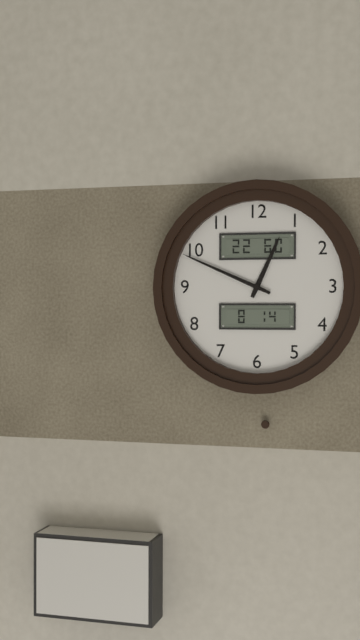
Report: {"hour": 12, "minute": 49}
